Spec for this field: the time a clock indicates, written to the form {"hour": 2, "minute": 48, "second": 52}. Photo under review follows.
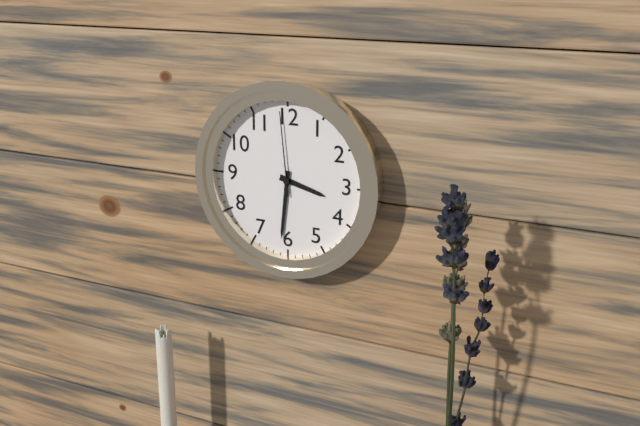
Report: {"hour": 3, "minute": 31, "second": 59}
